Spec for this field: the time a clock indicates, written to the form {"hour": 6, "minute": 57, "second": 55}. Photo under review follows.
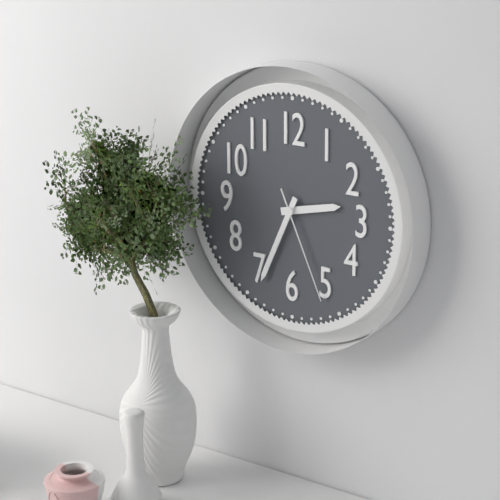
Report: {"hour": 2, "minute": 34, "second": 26}
